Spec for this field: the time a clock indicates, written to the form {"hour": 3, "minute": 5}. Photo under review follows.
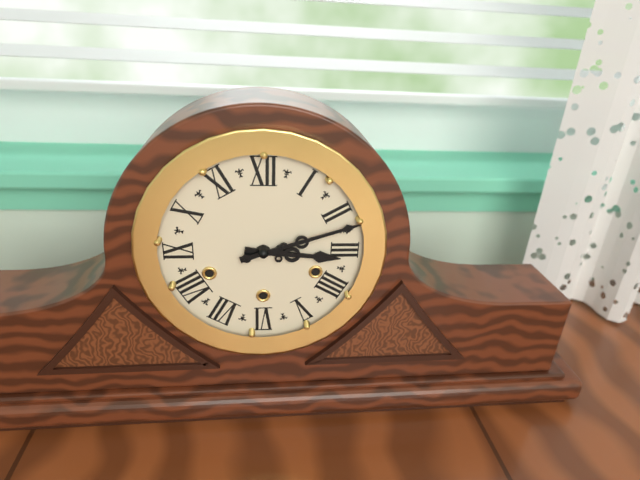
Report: {"hour": 3, "minute": 12}
